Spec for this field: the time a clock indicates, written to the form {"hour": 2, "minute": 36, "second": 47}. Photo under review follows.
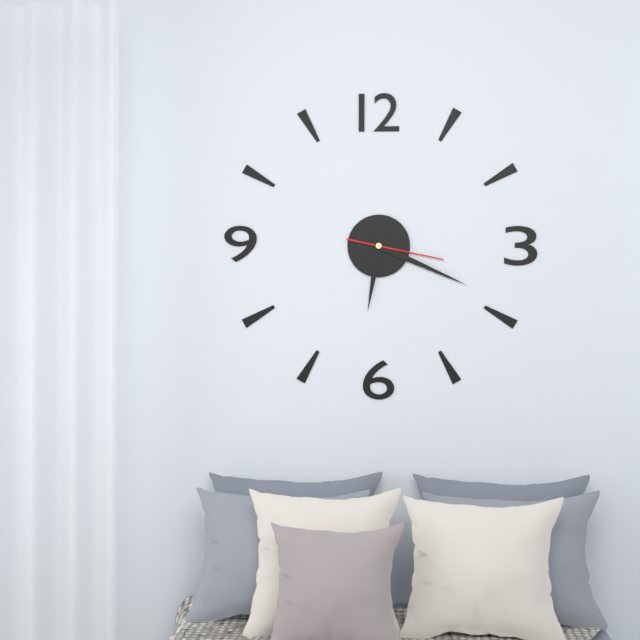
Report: {"hour": 6, "minute": 19, "second": 17}
